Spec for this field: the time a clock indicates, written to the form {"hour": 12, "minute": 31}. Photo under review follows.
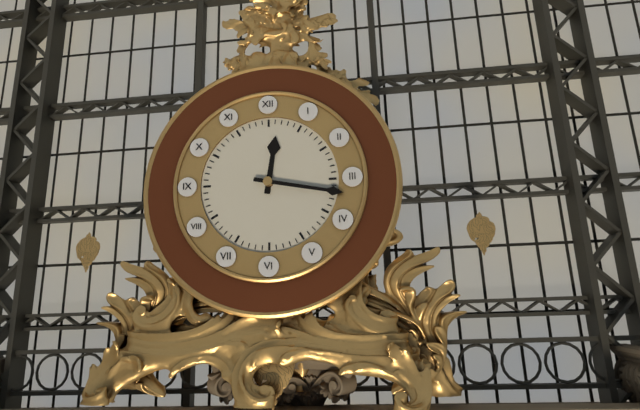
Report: {"hour": 12, "minute": 17}
